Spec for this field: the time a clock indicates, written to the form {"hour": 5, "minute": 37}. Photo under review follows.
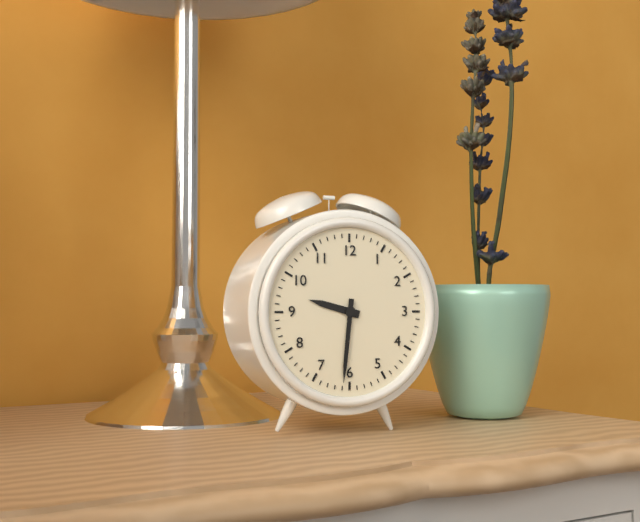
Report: {"hour": 9, "minute": 31}
